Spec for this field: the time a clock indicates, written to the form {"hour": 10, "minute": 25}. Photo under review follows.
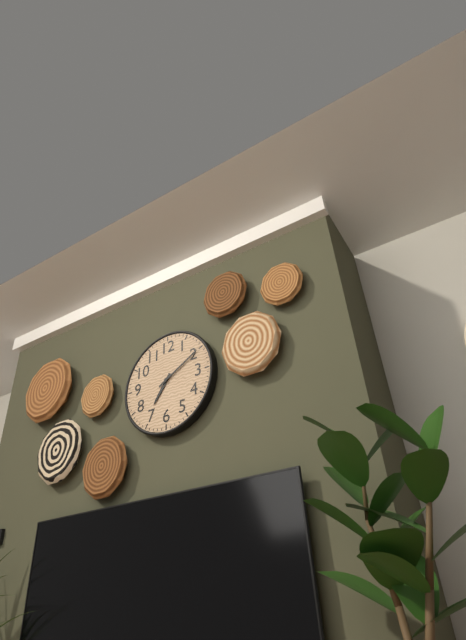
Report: {"hour": 7, "minute": 10}
